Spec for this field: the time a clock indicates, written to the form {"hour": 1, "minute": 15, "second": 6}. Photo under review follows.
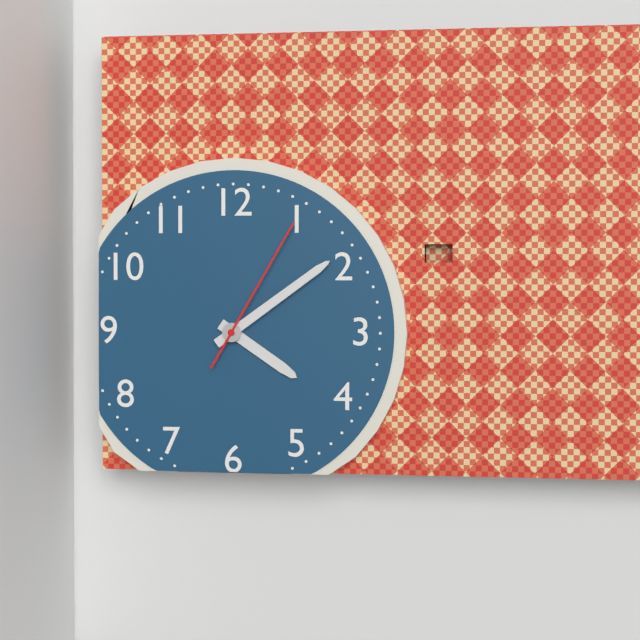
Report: {"hour": 4, "minute": 9, "second": 5}
